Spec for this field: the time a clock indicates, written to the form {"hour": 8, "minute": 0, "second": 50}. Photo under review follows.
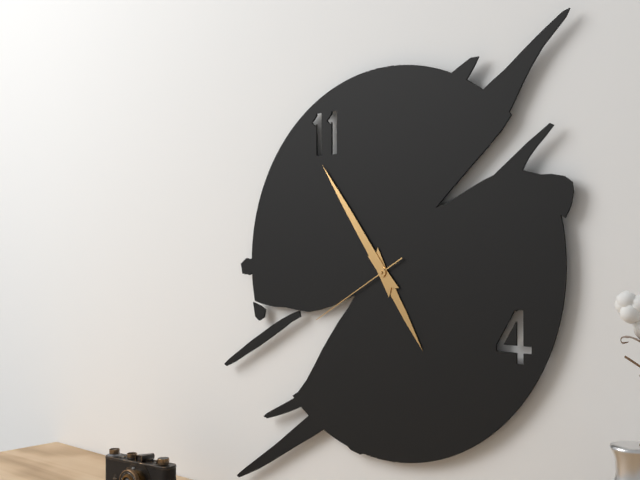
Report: {"hour": 4, "minute": 54, "second": 40}
